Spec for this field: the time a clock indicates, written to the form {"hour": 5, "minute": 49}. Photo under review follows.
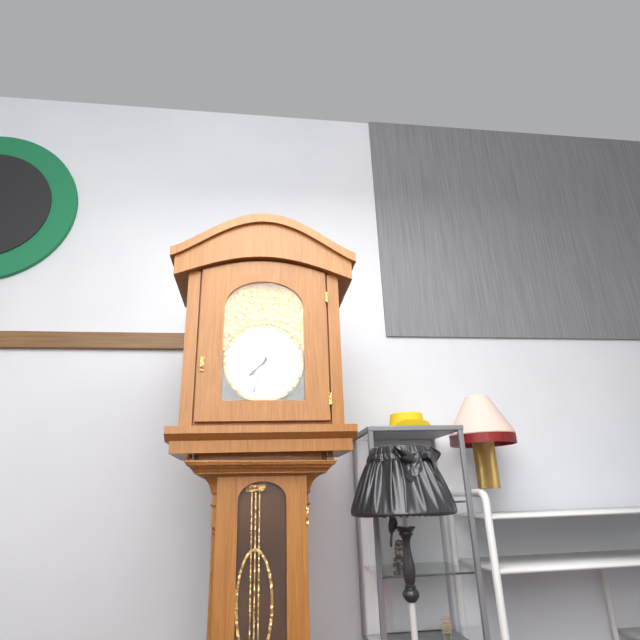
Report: {"hour": 7, "minute": 33}
